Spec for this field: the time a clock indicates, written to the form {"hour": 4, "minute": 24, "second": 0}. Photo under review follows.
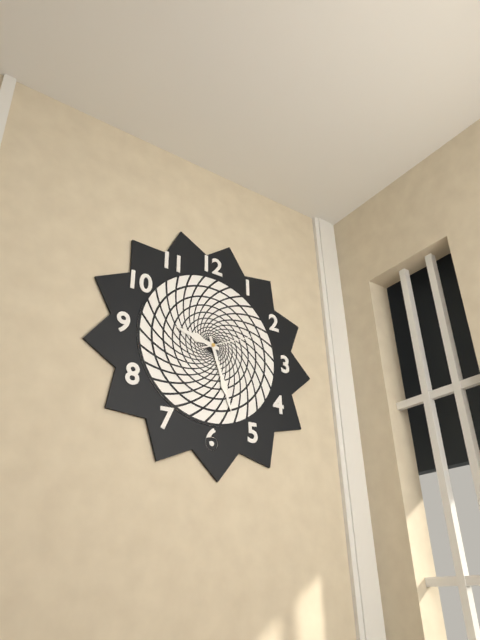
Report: {"hour": 9, "minute": 27, "second": 11}
